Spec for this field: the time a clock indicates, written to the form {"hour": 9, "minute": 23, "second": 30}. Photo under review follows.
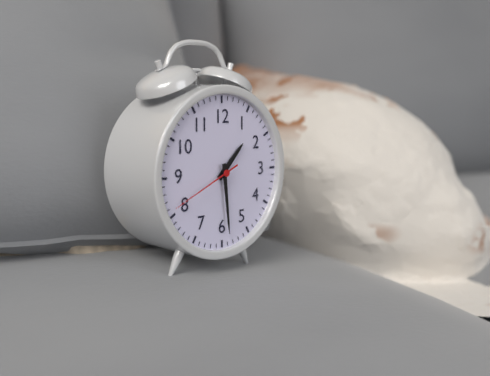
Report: {"hour": 1, "minute": 29, "second": 41}
